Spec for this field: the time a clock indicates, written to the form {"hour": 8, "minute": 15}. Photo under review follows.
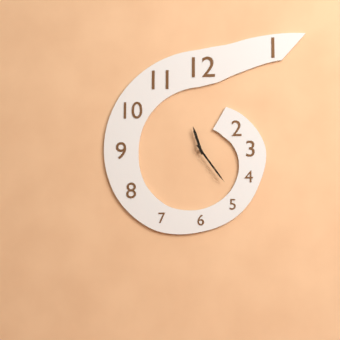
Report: {"hour": 11, "minute": 24}
